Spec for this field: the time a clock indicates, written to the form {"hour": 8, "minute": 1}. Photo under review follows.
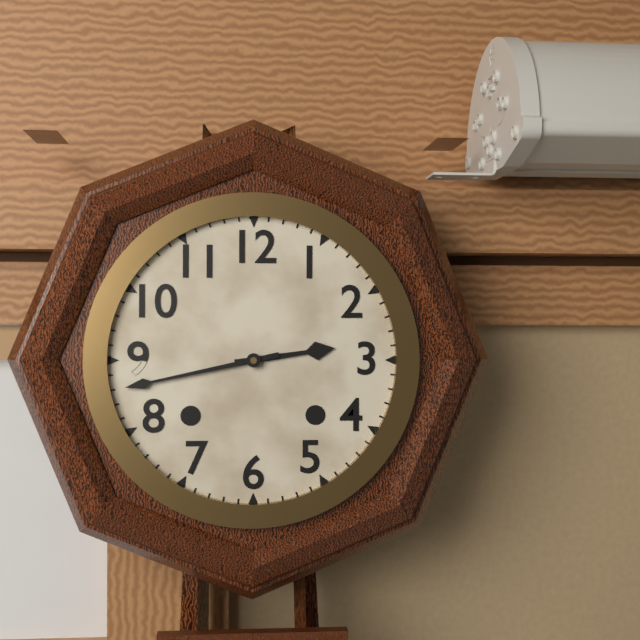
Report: {"hour": 2, "minute": 43}
